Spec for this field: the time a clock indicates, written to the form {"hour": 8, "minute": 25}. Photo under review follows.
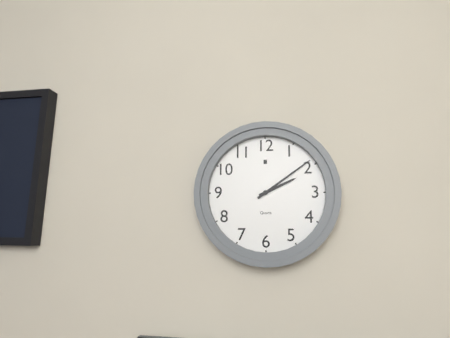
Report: {"hour": 2, "minute": 9}
